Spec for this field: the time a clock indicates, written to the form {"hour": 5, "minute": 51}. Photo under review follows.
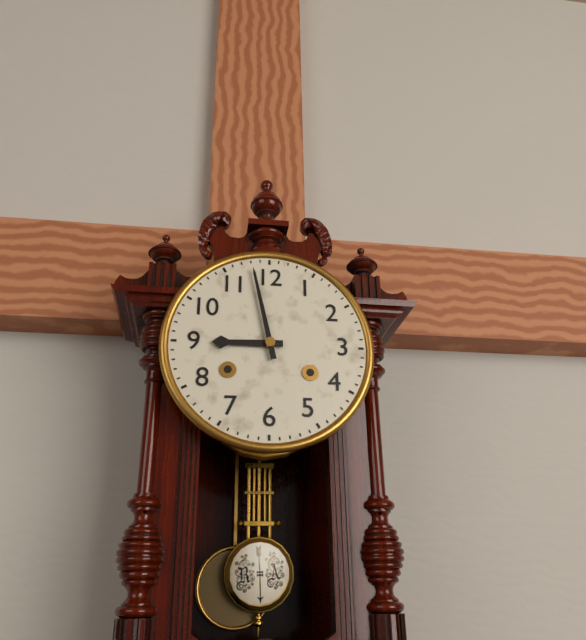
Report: {"hour": 8, "minute": 58}
